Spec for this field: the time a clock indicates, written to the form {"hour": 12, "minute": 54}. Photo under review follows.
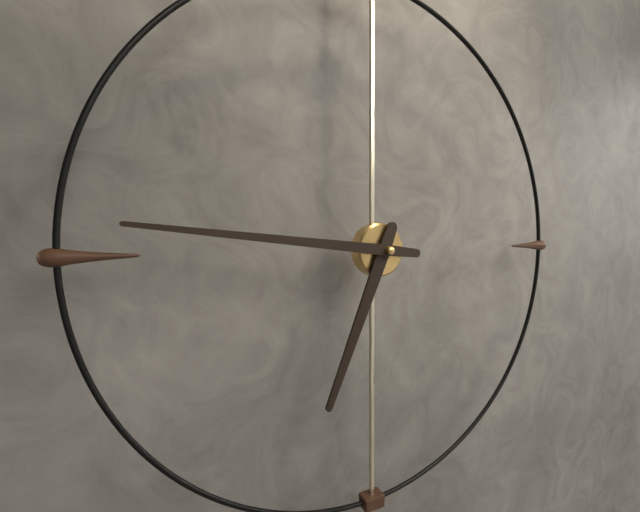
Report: {"hour": 6, "minute": 46}
